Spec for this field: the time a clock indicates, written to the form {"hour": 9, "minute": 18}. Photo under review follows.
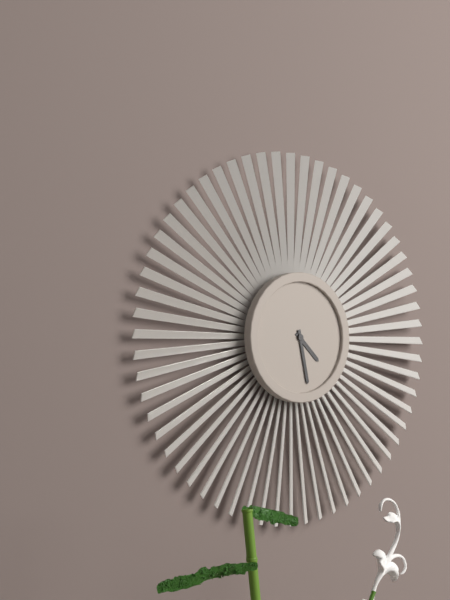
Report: {"hour": 4, "minute": 28}
